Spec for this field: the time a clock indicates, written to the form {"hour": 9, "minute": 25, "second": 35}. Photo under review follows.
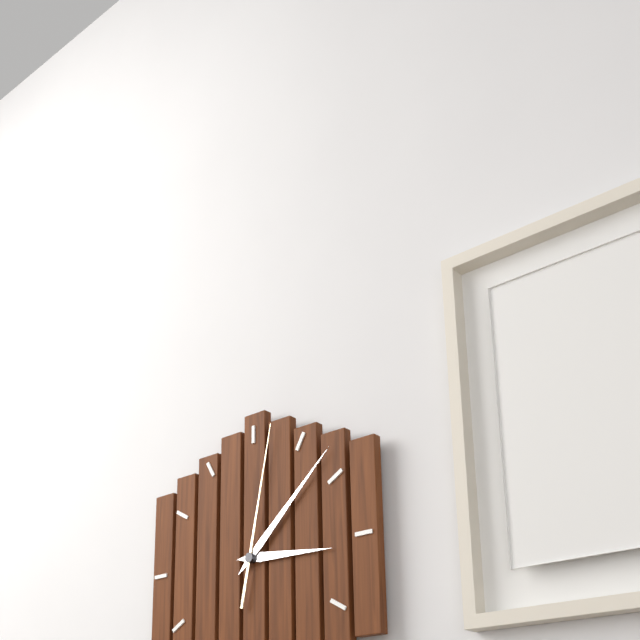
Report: {"hour": 3, "minute": 8, "second": 2}
